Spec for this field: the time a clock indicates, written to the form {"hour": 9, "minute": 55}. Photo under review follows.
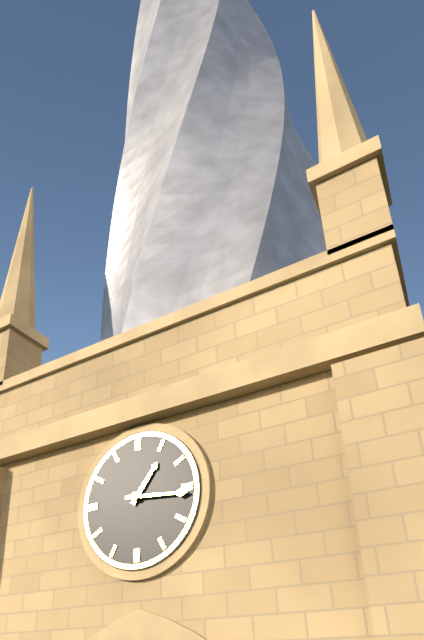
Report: {"hour": 1, "minute": 16}
